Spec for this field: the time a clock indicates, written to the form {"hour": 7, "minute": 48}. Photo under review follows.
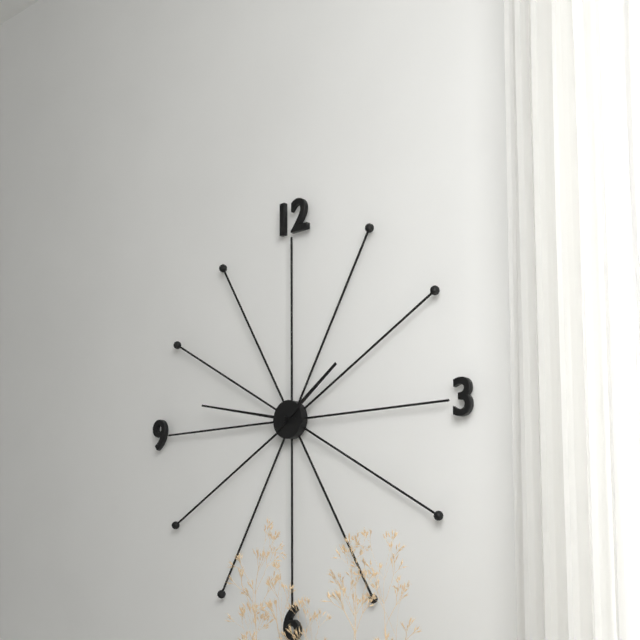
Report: {"hour": 1, "minute": 47}
